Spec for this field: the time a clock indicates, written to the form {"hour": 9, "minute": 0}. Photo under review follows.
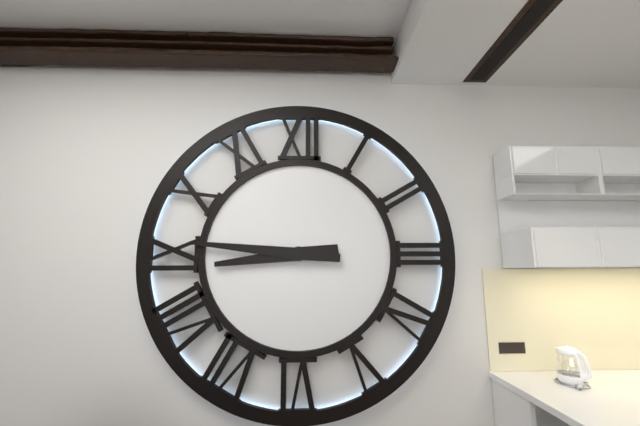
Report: {"hour": 8, "minute": 46}
